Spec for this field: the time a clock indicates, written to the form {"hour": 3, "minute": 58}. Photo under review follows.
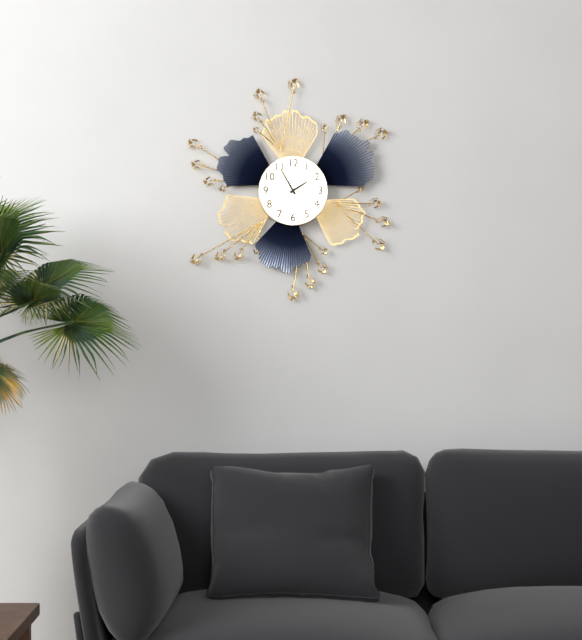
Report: {"hour": 1, "minute": 55}
